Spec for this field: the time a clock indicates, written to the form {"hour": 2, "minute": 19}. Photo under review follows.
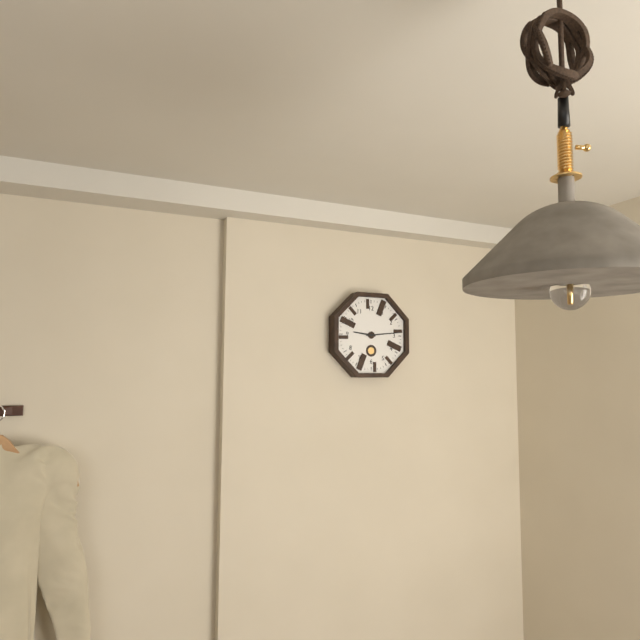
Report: {"hour": 9, "minute": 14}
